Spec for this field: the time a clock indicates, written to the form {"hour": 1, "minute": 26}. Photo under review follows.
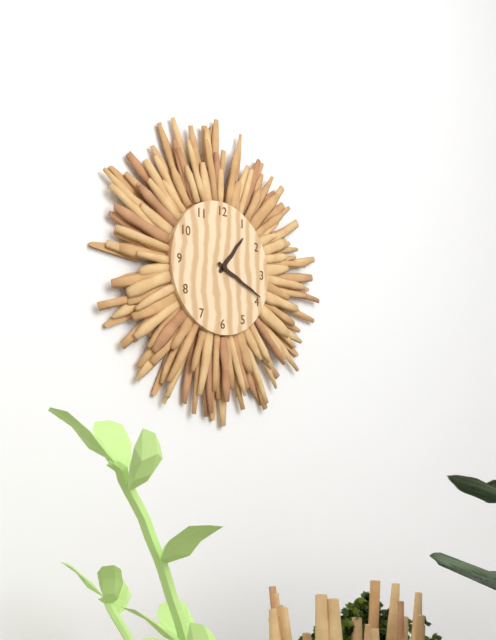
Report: {"hour": 1, "minute": 19}
